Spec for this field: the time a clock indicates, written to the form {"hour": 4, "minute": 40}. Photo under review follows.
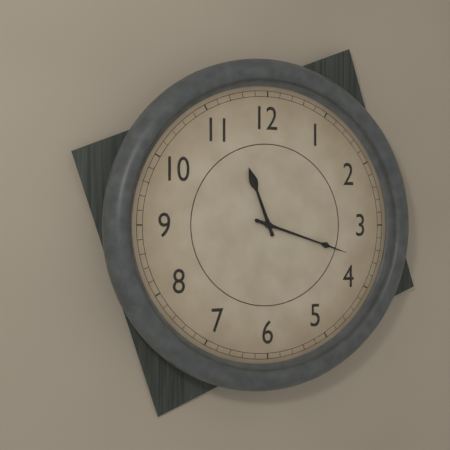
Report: {"hour": 11, "minute": 18}
